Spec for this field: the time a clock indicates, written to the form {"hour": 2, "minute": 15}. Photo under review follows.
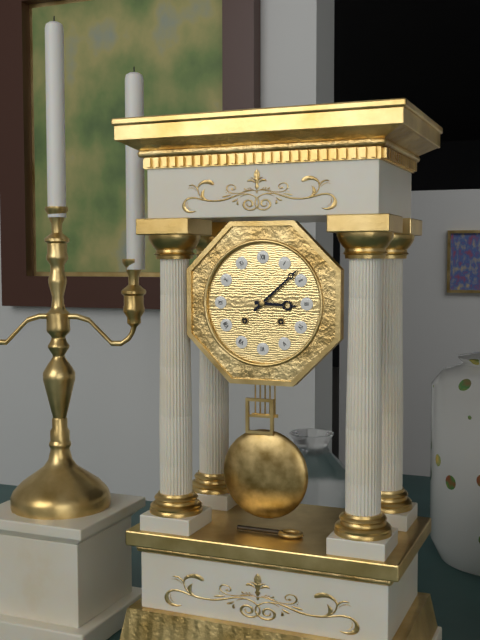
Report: {"hour": 3, "minute": 8}
